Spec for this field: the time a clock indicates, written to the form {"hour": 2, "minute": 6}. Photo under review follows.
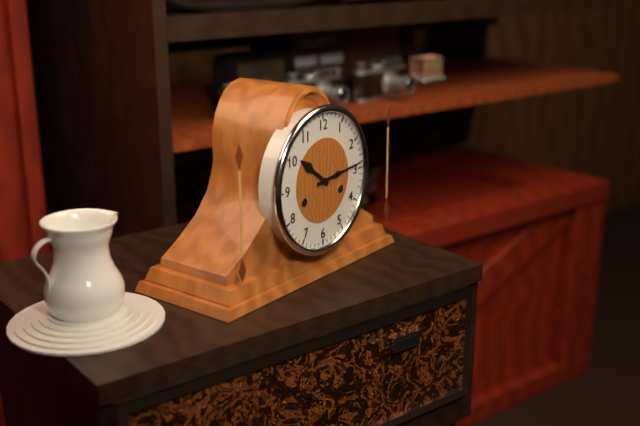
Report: {"hour": 10, "minute": 14}
